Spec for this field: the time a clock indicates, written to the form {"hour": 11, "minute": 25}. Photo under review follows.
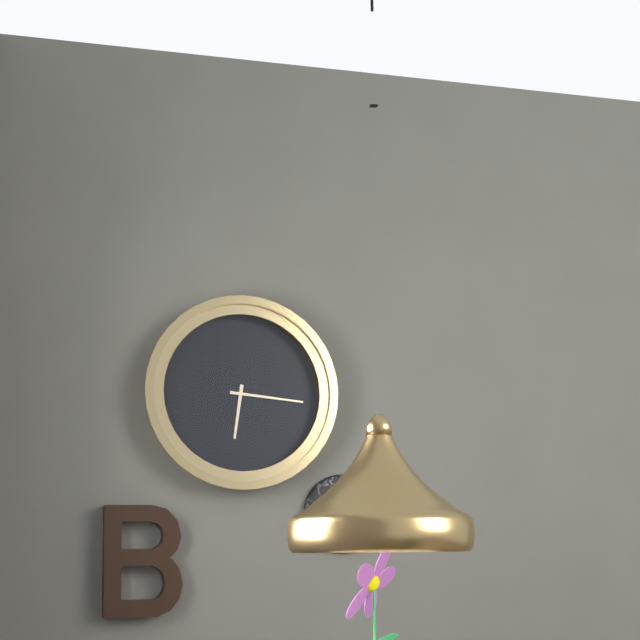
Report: {"hour": 6, "minute": 16}
